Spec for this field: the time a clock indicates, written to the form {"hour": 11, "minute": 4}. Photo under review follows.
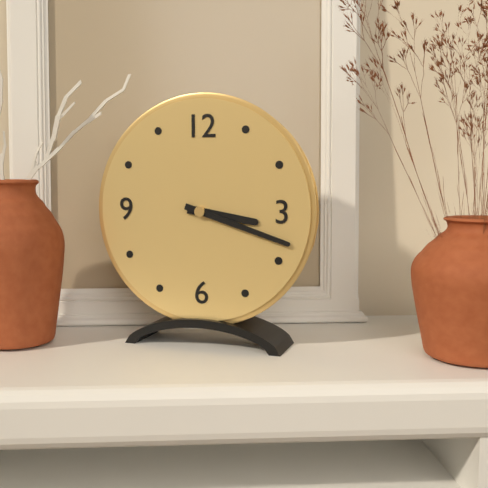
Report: {"hour": 3, "minute": 18}
